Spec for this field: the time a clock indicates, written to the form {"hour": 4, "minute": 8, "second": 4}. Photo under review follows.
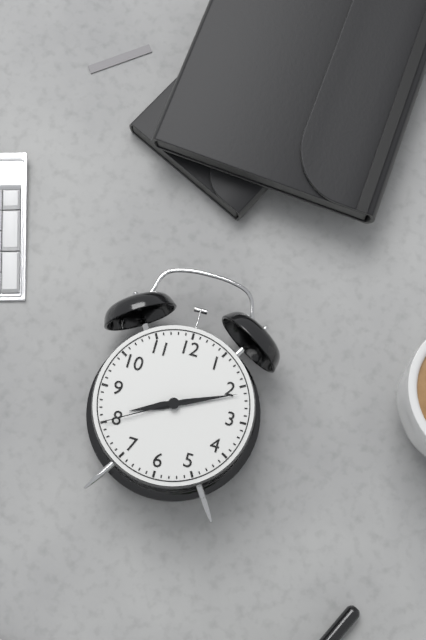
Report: {"hour": 8, "minute": 11, "second": 40}
